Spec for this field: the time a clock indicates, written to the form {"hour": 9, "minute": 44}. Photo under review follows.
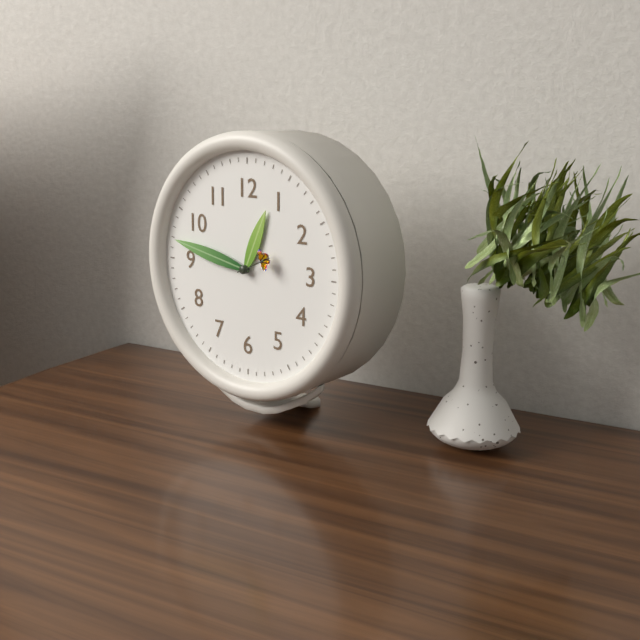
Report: {"hour": 12, "minute": 47}
